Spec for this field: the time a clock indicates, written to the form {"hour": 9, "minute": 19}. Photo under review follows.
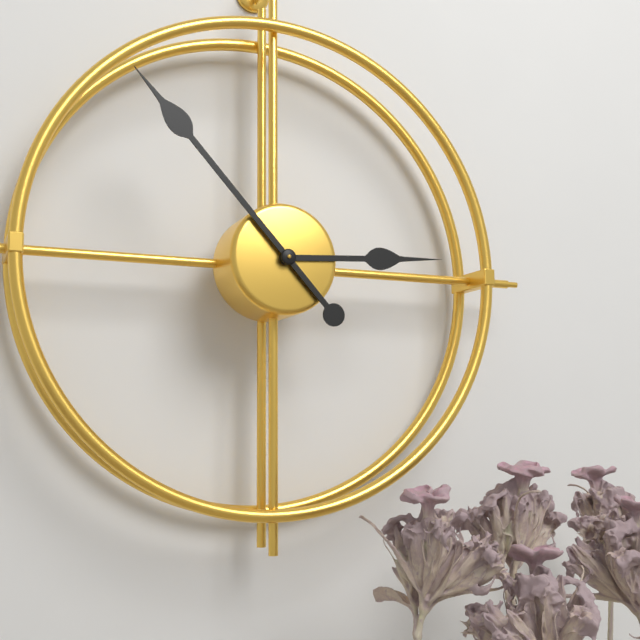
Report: {"hour": 2, "minute": 53}
